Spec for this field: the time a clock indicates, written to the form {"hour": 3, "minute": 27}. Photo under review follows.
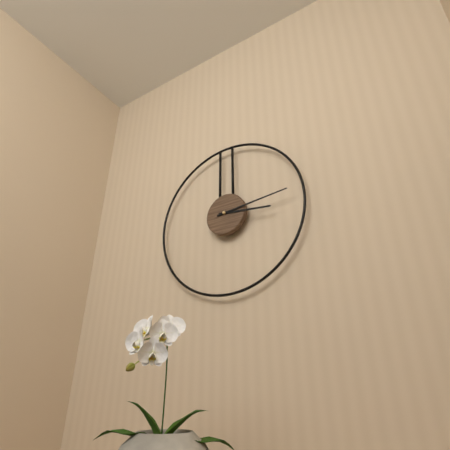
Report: {"hour": 3, "minute": 14}
